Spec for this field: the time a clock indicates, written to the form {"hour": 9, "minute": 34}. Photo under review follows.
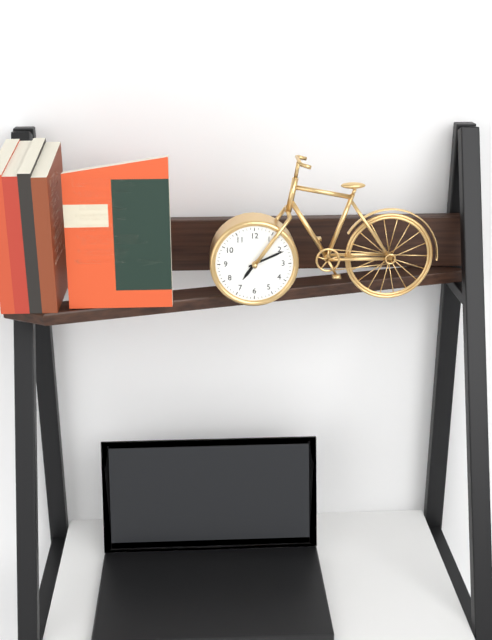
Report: {"hour": 7, "minute": 11}
